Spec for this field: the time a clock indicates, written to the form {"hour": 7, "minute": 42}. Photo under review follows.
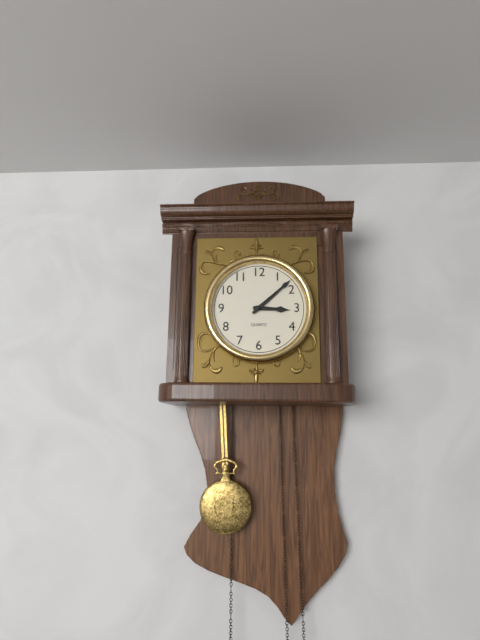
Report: {"hour": 3, "minute": 8}
